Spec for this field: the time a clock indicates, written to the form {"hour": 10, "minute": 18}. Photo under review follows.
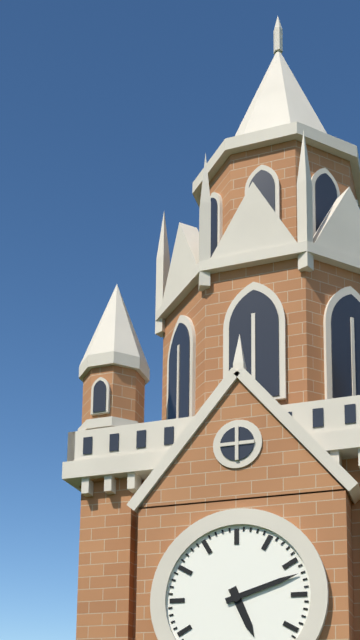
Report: {"hour": 5, "minute": 12}
